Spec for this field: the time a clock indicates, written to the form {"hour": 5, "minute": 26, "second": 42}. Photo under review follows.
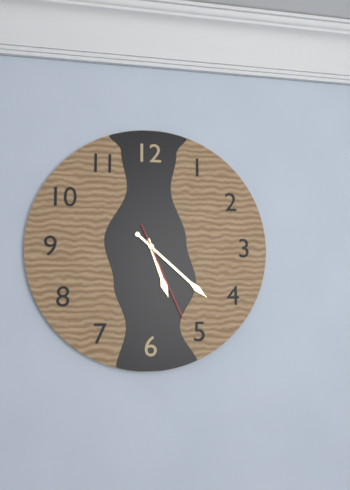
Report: {"hour": 5, "minute": 22, "second": 26}
